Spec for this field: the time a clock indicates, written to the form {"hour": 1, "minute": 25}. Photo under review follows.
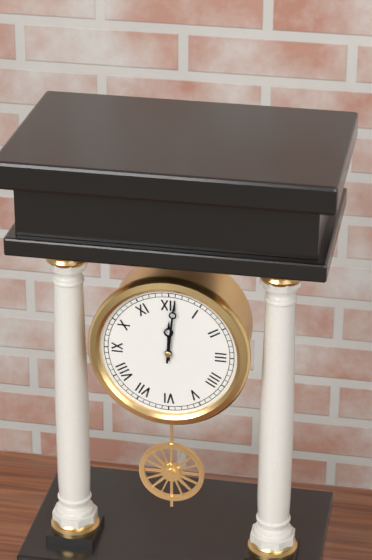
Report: {"hour": 12, "minute": 1}
